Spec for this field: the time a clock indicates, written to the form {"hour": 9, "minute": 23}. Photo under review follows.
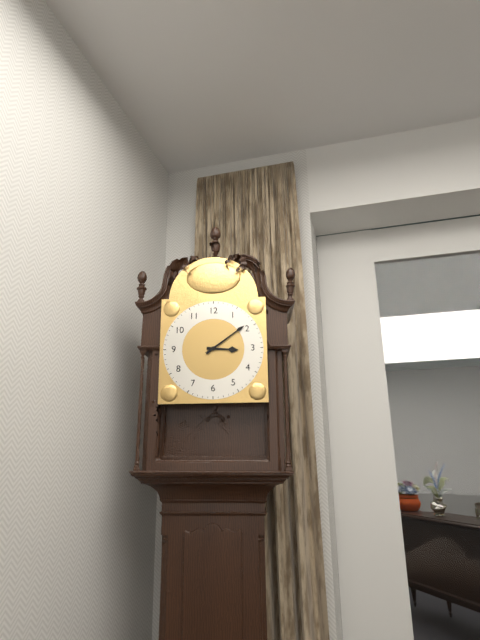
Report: {"hour": 3, "minute": 9}
